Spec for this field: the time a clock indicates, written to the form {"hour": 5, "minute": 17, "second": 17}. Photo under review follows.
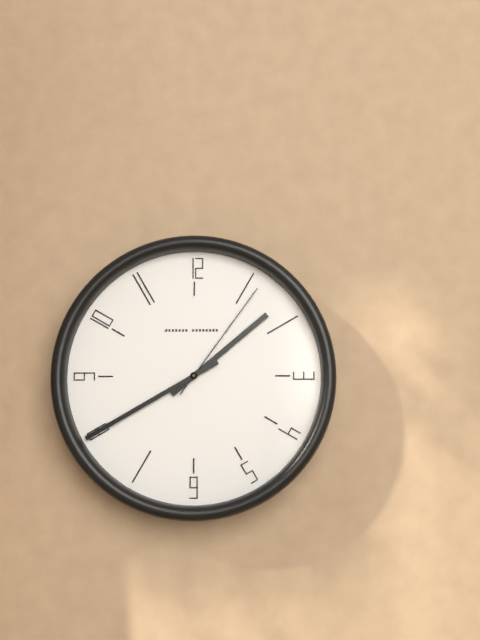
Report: {"hour": 1, "minute": 40, "second": 6}
